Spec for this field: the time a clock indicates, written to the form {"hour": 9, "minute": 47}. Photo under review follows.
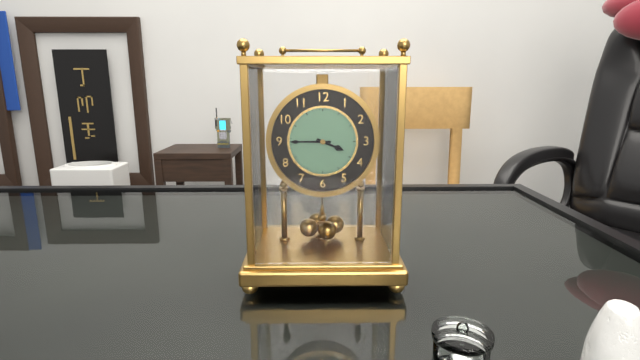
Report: {"hour": 3, "minute": 45}
